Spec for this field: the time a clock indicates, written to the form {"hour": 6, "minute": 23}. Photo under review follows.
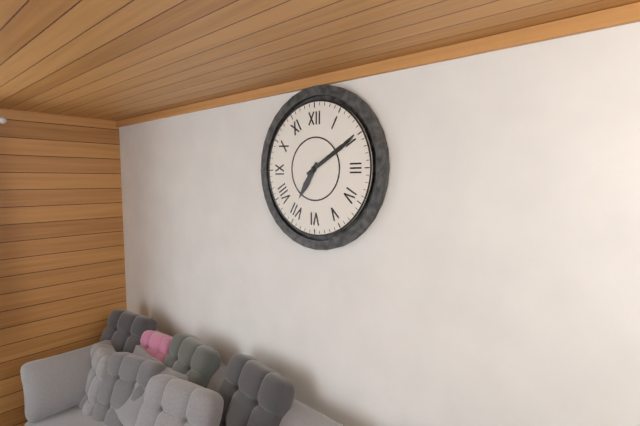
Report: {"hour": 7, "minute": 10}
